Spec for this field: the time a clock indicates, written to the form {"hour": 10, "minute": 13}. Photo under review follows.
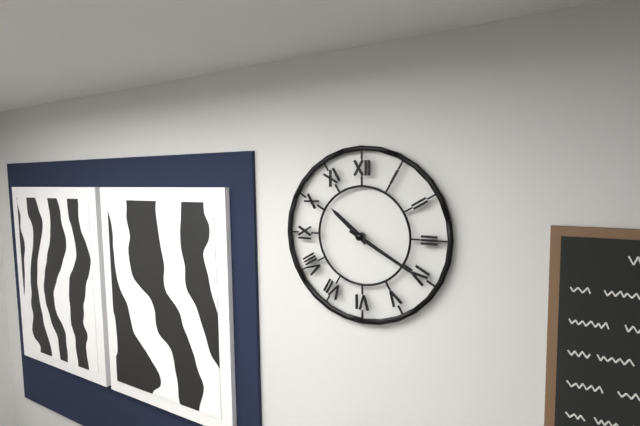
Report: {"hour": 10, "minute": 20}
